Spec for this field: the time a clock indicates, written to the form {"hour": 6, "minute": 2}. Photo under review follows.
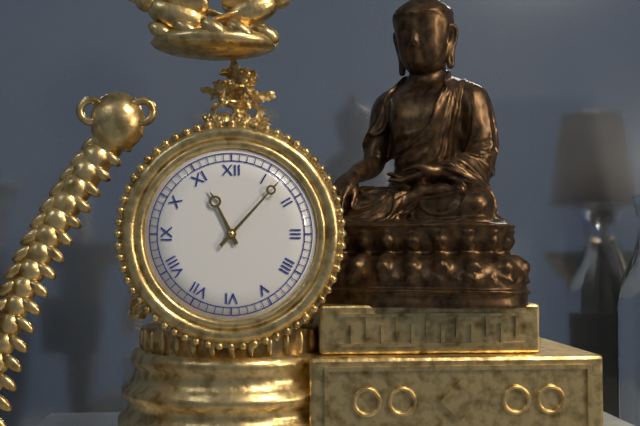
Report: {"hour": 11, "minute": 7}
